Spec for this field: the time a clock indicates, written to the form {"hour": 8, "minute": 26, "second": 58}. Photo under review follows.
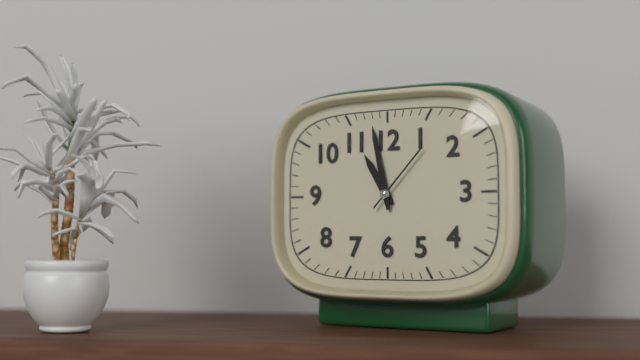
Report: {"hour": 10, "minute": 58, "second": 7}
